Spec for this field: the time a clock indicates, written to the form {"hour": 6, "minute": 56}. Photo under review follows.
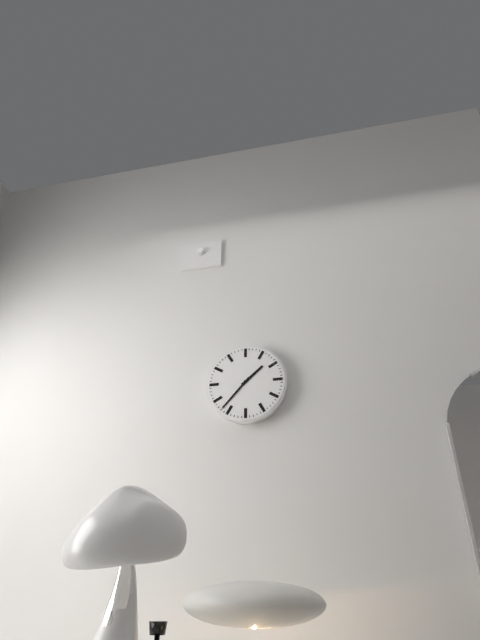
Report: {"hour": 1, "minute": 37}
